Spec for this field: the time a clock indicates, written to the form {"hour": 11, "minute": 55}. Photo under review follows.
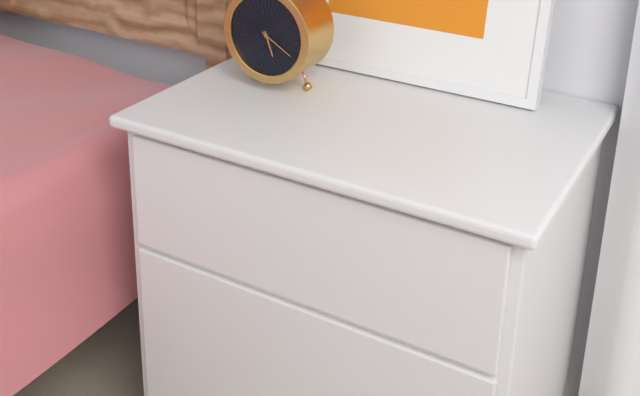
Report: {"hour": 5, "minute": 20}
